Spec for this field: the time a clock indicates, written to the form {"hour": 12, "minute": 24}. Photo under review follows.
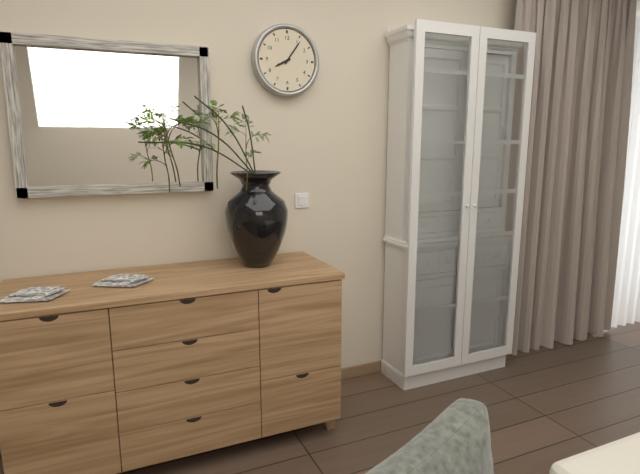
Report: {"hour": 8, "minute": 6}
